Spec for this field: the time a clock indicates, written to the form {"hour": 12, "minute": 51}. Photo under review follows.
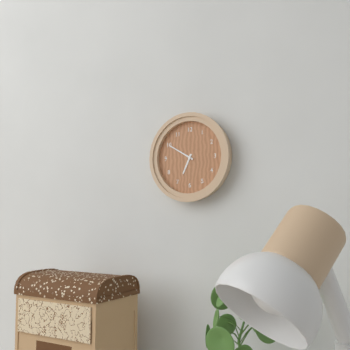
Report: {"hour": 6, "minute": 50}
